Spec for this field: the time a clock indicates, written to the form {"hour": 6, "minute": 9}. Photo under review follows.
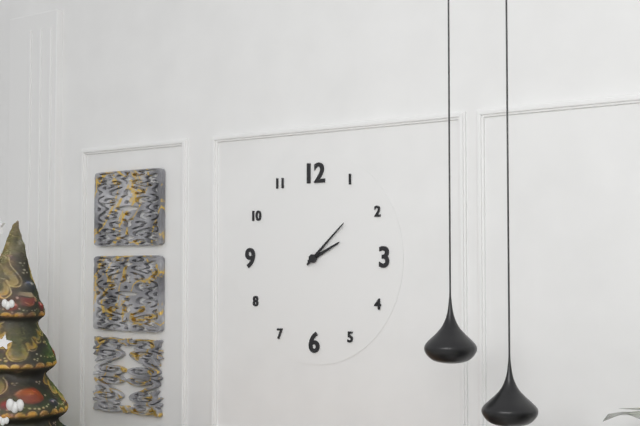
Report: {"hour": 2, "minute": 8}
